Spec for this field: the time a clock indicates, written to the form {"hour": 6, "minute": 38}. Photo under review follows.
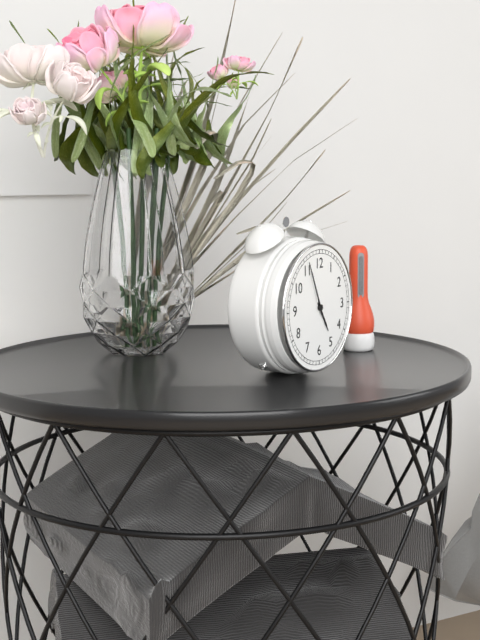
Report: {"hour": 4, "minute": 56}
